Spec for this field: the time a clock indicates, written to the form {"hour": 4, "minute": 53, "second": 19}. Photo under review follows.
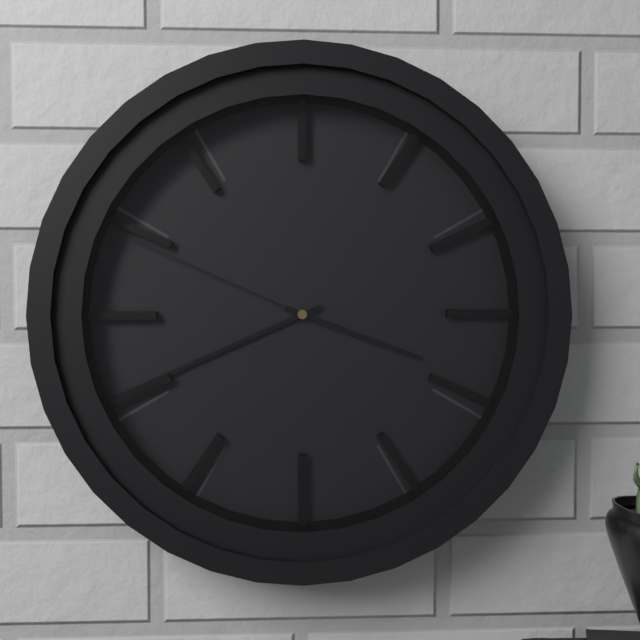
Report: {"hour": 3, "minute": 41, "second": 49}
